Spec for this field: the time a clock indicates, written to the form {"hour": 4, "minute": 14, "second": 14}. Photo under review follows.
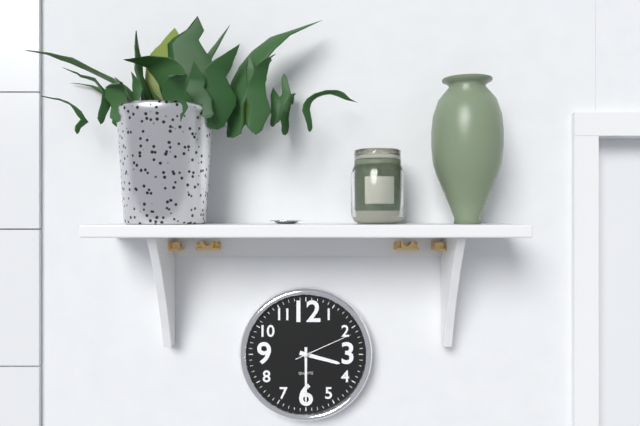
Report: {"hour": 3, "minute": 30, "second": 11}
